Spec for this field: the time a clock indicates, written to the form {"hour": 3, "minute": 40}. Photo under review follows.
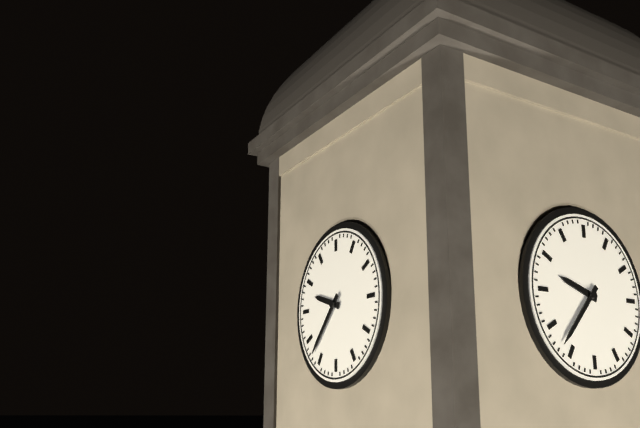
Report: {"hour": 9, "minute": 37}
